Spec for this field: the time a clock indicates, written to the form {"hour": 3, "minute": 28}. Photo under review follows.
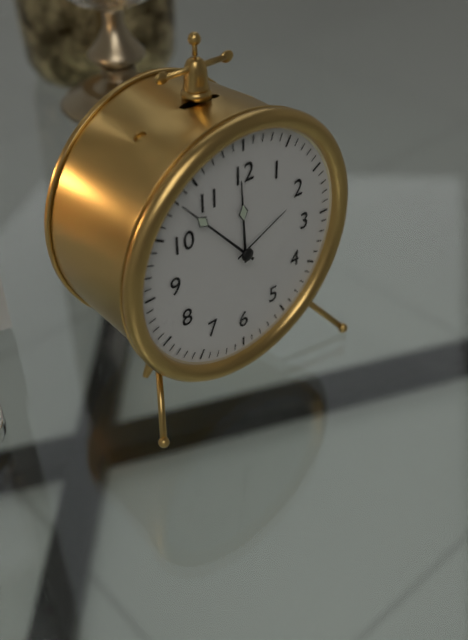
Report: {"hour": 11, "minute": 53}
